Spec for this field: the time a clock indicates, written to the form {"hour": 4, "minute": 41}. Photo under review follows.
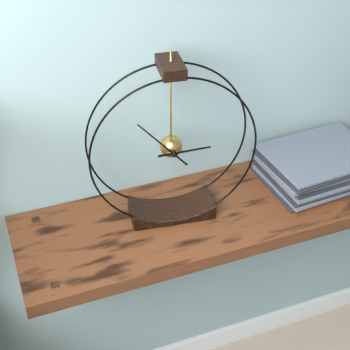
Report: {"hour": 2, "minute": 53}
